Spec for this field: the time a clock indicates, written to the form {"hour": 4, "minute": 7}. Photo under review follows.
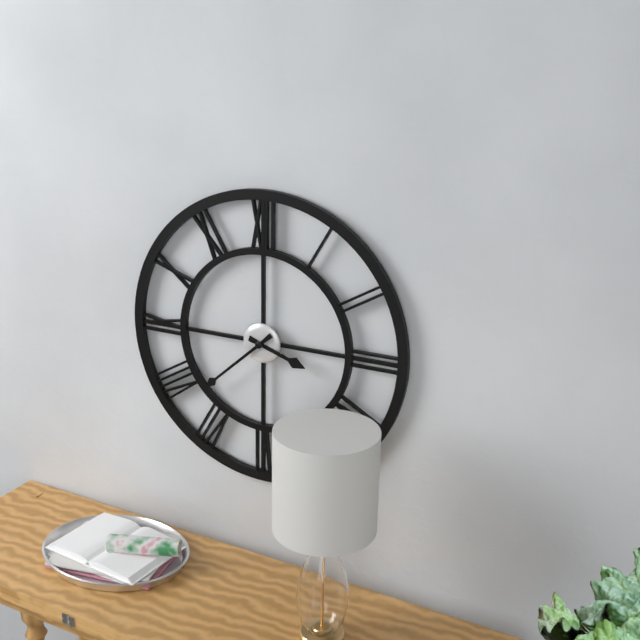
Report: {"hour": 3, "minute": 38}
